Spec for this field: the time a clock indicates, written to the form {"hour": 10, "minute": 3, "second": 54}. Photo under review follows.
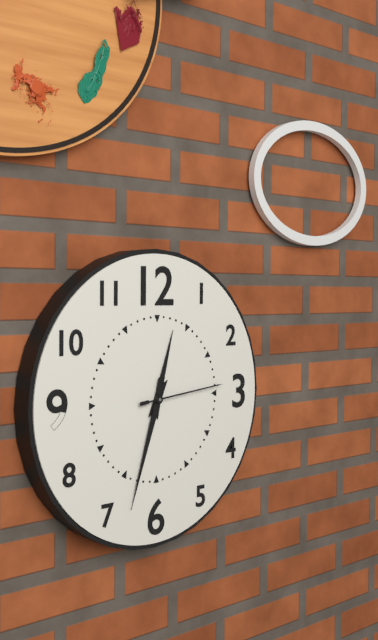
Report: {"hour": 12, "minute": 33, "second": 14}
